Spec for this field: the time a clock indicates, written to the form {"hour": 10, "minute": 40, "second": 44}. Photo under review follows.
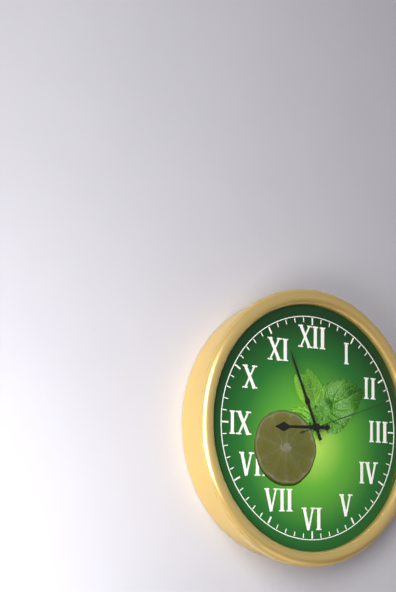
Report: {"hour": 8, "minute": 56, "second": 12}
